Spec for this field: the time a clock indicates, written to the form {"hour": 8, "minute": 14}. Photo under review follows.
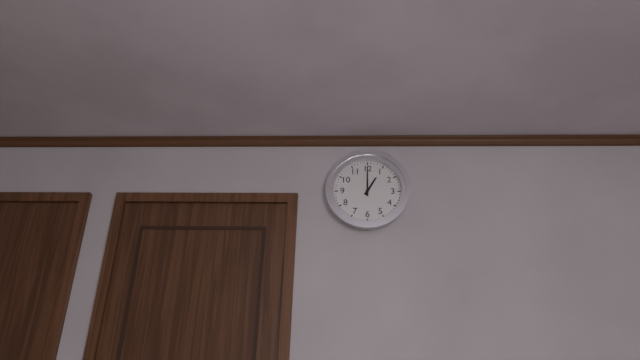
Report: {"hour": 1, "minute": 0}
